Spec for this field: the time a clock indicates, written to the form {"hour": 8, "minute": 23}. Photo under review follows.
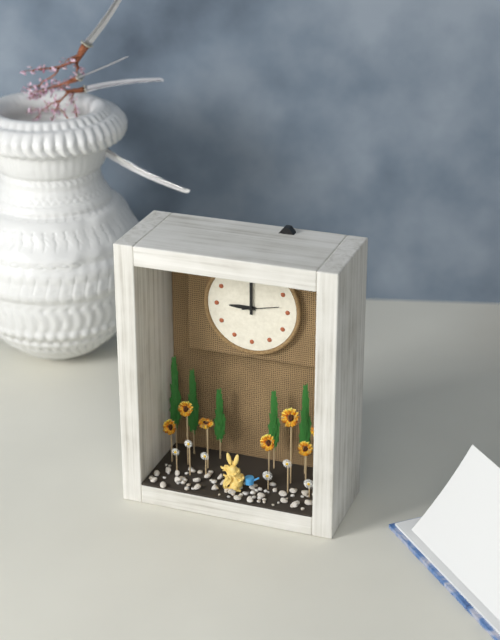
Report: {"hour": 9, "minute": 0}
